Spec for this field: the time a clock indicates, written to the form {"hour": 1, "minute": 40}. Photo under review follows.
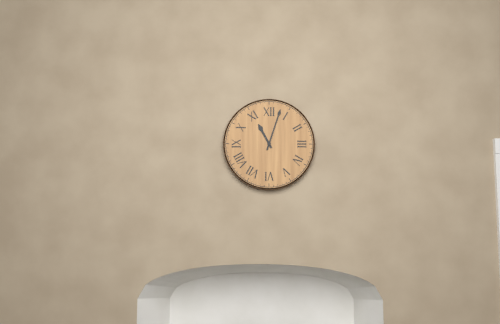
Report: {"hour": 11, "minute": 3}
